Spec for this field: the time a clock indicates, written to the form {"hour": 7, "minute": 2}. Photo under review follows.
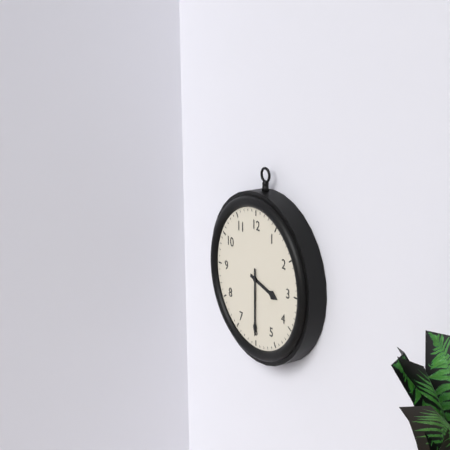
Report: {"hour": 3, "minute": 30}
